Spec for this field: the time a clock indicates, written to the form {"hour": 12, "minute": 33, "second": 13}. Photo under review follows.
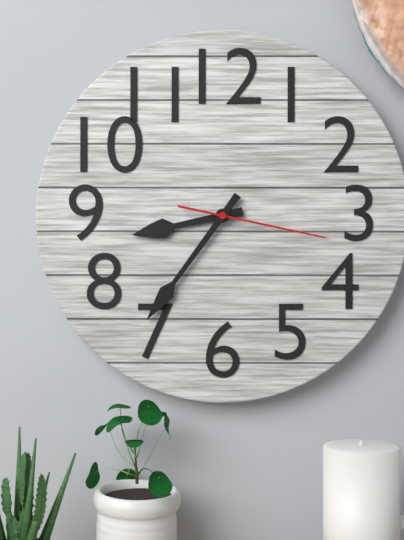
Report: {"hour": 8, "minute": 36, "second": 17}
